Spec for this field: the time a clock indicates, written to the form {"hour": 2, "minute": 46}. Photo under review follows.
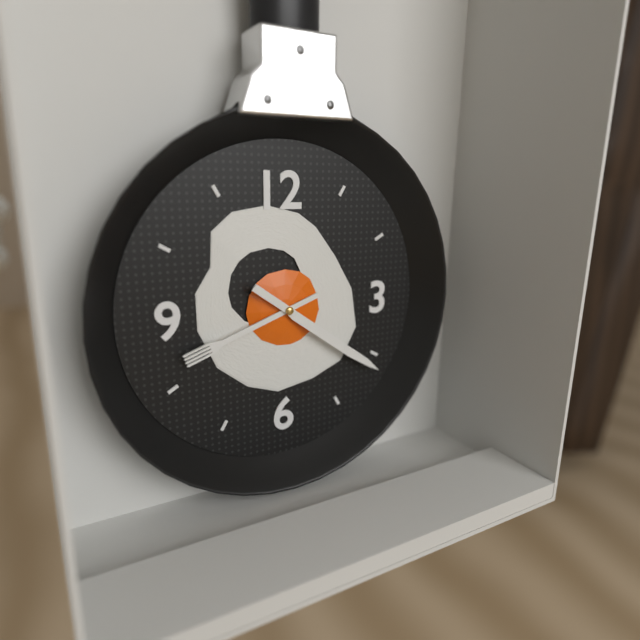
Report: {"hour": 8, "minute": 21}
